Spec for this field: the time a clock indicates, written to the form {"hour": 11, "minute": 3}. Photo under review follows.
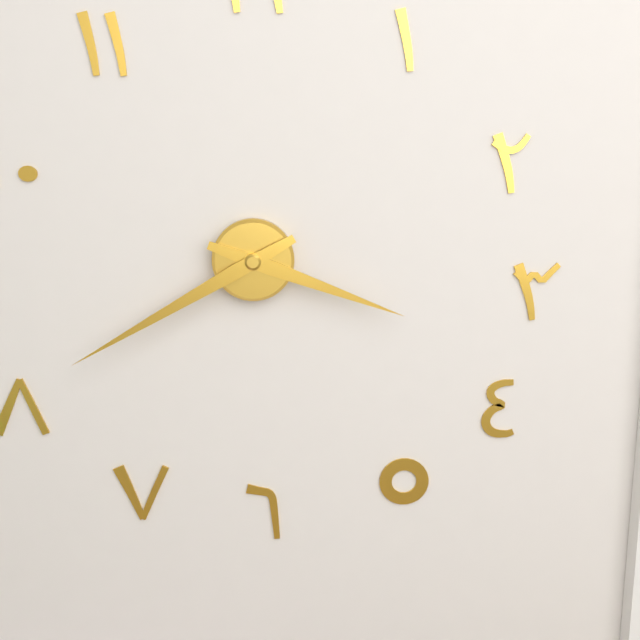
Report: {"hour": 3, "minute": 40}
